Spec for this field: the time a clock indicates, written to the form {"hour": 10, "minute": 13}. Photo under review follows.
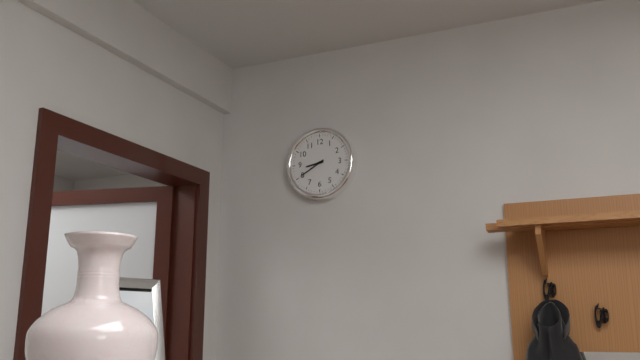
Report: {"hour": 8, "minute": 40}
